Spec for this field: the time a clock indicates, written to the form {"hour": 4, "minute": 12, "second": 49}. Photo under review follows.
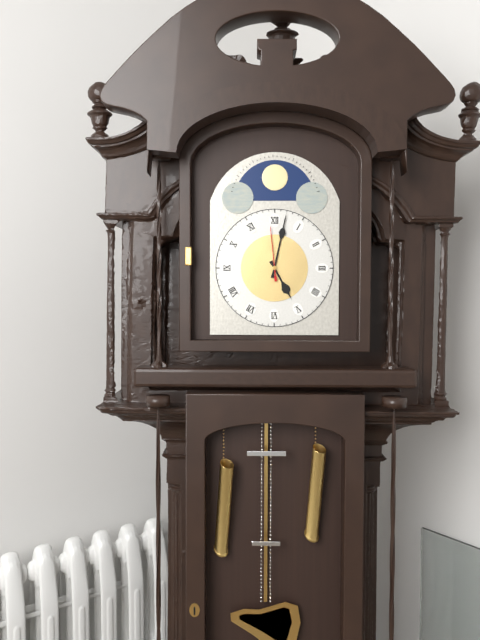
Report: {"hour": 5, "minute": 2, "second": 59}
